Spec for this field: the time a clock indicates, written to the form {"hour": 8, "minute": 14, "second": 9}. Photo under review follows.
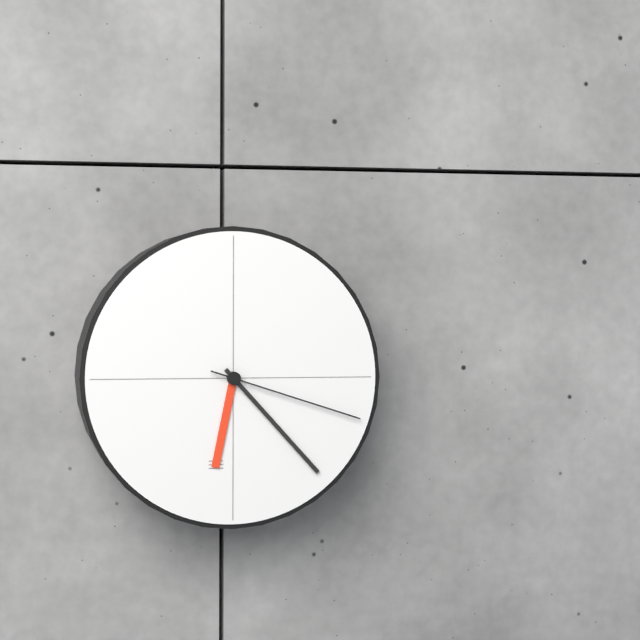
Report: {"hour": 6, "minute": 23, "second": 18}
